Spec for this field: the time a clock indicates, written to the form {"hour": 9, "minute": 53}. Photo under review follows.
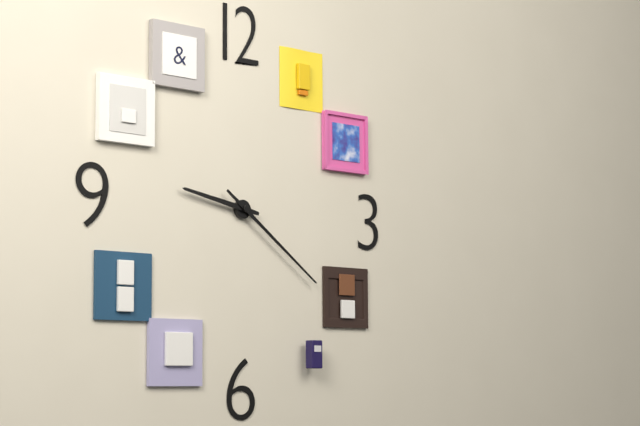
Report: {"hour": 9, "minute": 21}
